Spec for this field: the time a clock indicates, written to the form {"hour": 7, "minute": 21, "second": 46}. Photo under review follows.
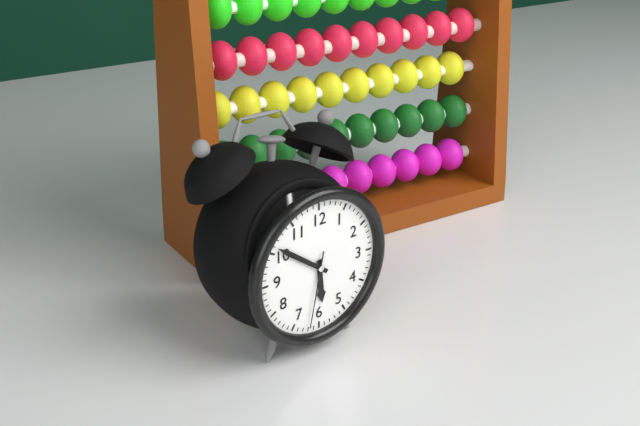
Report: {"hour": 5, "minute": 51, "second": 32}
